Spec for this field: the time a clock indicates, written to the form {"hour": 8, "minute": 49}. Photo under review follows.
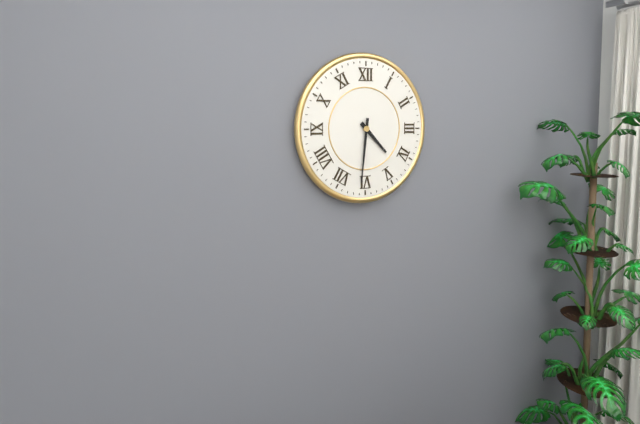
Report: {"hour": 4, "minute": 31}
